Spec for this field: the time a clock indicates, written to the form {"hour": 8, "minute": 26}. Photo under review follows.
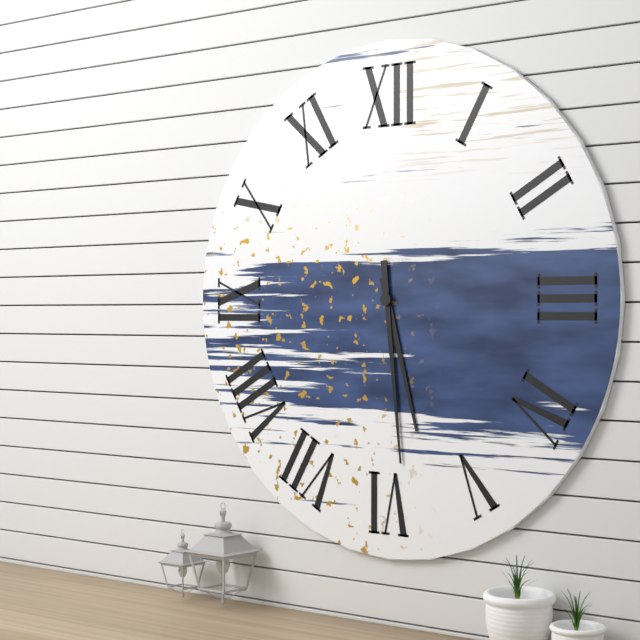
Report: {"hour": 5, "minute": 29}
